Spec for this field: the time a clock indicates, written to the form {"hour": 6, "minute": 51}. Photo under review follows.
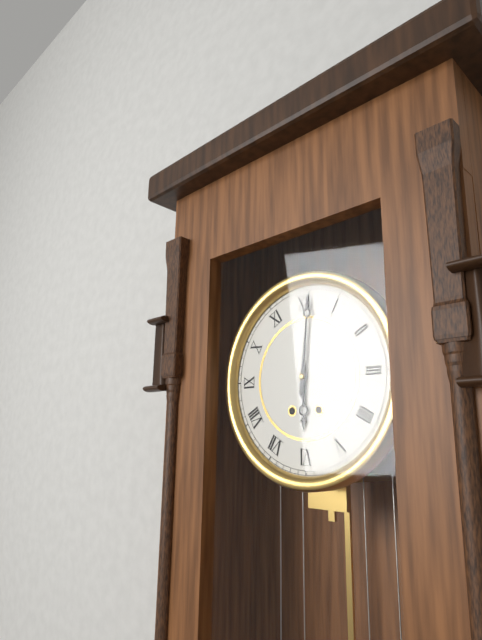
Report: {"hour": 6, "minute": 1}
